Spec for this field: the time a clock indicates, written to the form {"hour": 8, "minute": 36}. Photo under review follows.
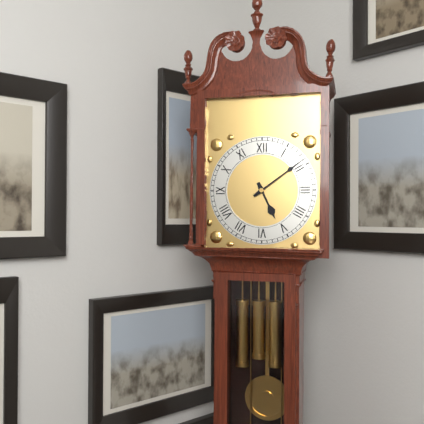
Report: {"hour": 5, "minute": 9}
